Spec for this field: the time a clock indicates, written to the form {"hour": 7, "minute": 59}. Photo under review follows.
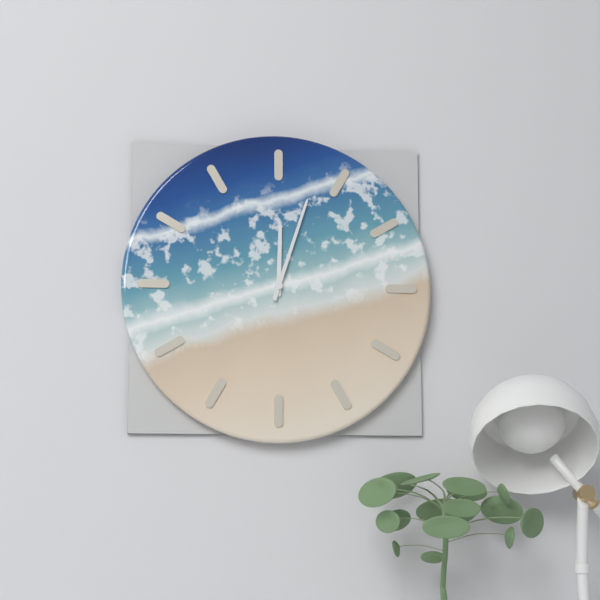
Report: {"hour": 12, "minute": 3}
